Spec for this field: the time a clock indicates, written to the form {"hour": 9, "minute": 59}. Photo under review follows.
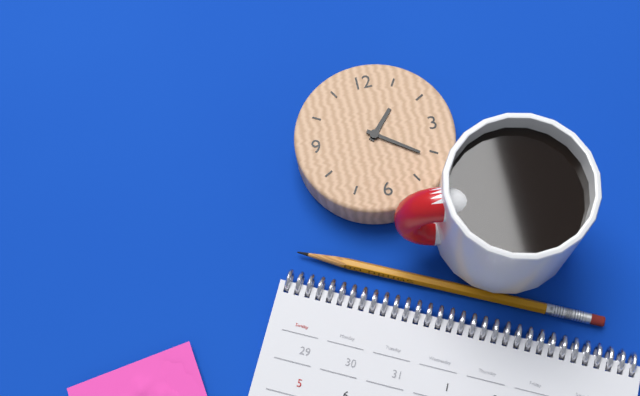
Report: {"hour": 1, "minute": 21}
